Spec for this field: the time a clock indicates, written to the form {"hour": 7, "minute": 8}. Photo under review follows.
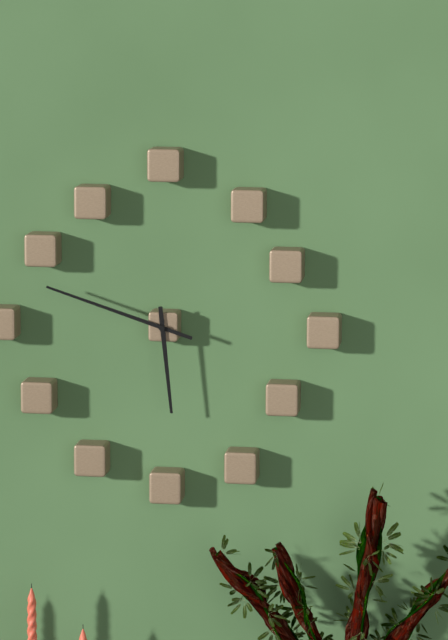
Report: {"hour": 5, "minute": 48}
